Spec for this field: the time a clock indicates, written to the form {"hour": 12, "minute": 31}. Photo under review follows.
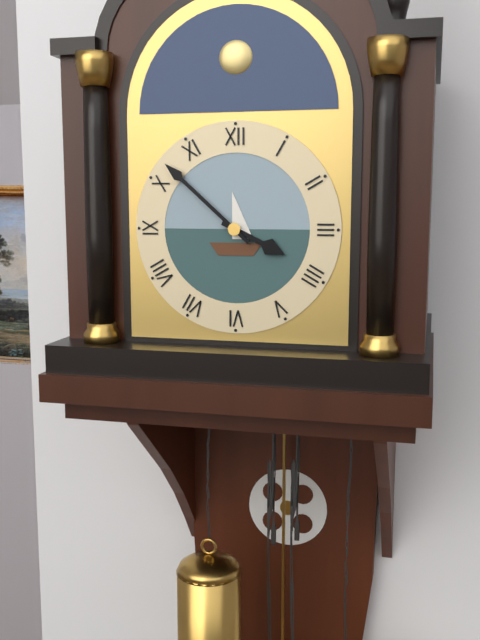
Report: {"hour": 3, "minute": 52}
